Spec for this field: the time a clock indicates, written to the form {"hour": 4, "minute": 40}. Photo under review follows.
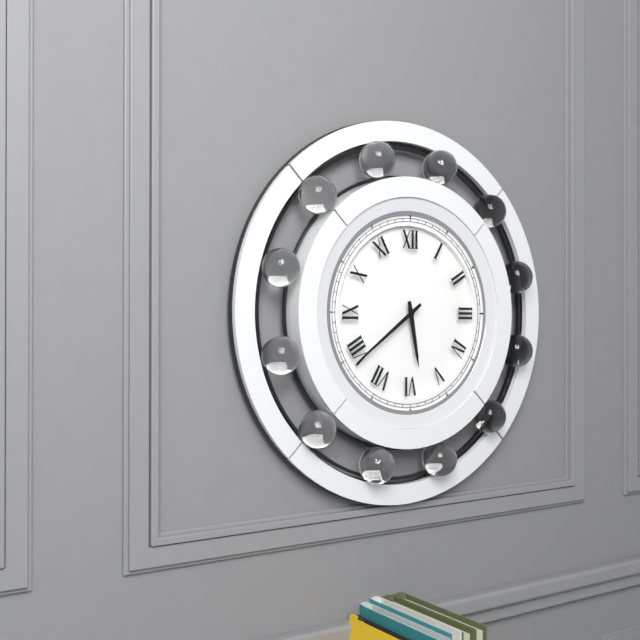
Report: {"hour": 5, "minute": 39}
